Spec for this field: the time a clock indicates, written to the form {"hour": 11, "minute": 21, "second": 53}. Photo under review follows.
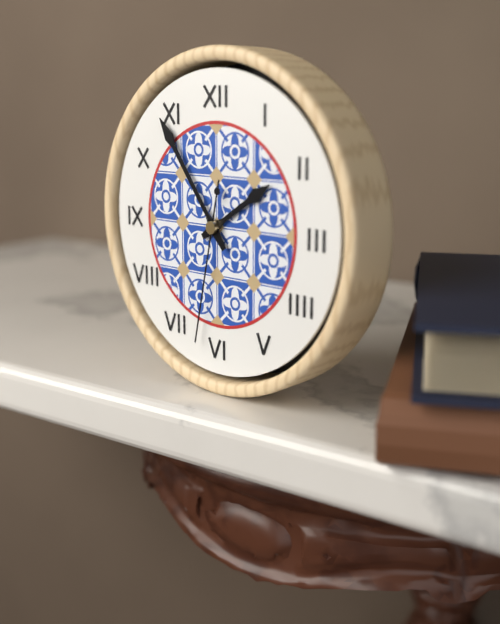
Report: {"hour": 1, "minute": 54, "second": 32}
